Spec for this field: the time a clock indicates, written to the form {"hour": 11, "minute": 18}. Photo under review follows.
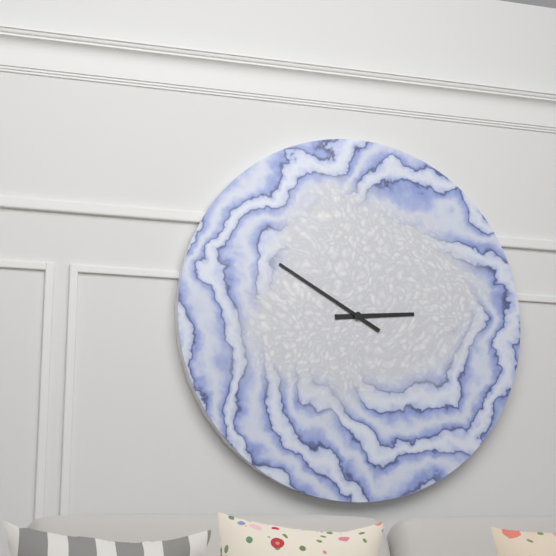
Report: {"hour": 2, "minute": 50}
